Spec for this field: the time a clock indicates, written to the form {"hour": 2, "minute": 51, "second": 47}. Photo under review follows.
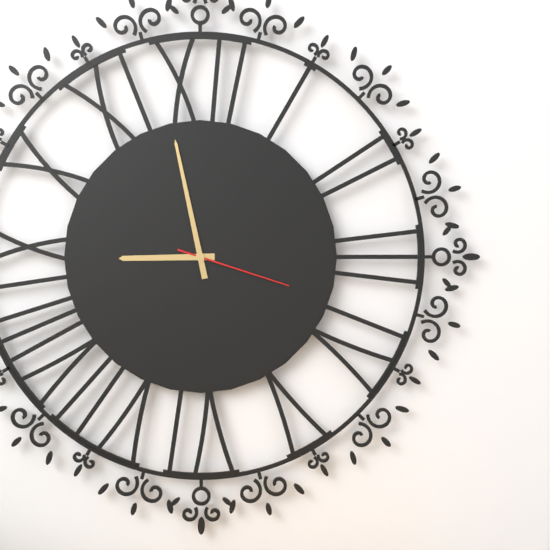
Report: {"hour": 8, "minute": 58, "second": 18}
